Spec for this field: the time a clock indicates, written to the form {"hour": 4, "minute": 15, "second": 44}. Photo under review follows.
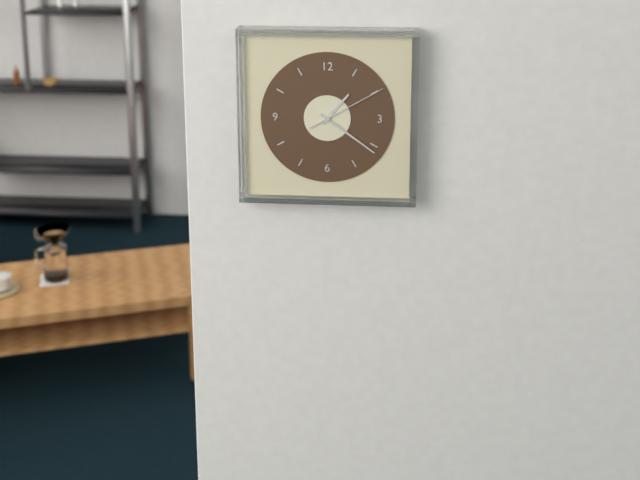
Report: {"hour": 1, "minute": 21, "second": 10}
